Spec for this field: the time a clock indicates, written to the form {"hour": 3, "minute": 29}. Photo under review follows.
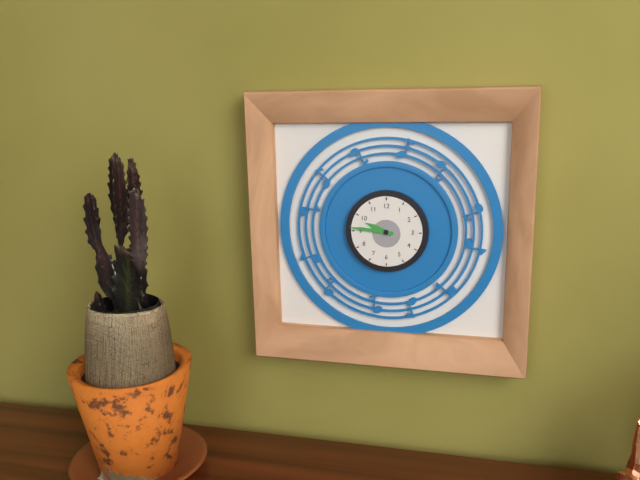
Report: {"hour": 9, "minute": 46}
